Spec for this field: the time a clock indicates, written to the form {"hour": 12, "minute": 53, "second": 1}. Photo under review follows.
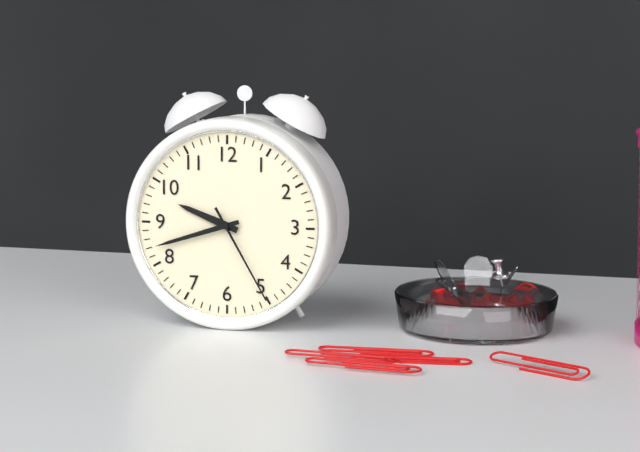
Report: {"hour": 9, "minute": 42, "second": 25}
